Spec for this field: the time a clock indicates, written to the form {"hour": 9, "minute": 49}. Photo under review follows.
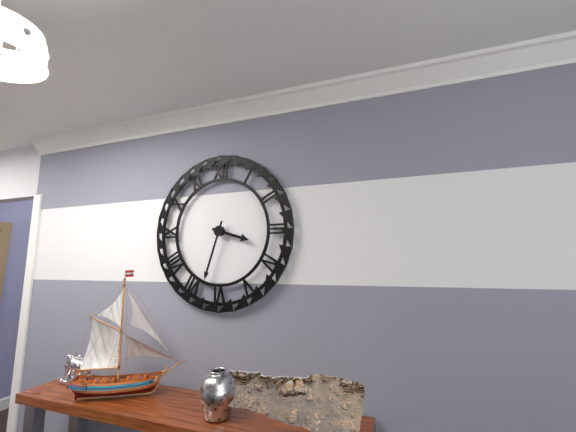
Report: {"hour": 3, "minute": 33}
